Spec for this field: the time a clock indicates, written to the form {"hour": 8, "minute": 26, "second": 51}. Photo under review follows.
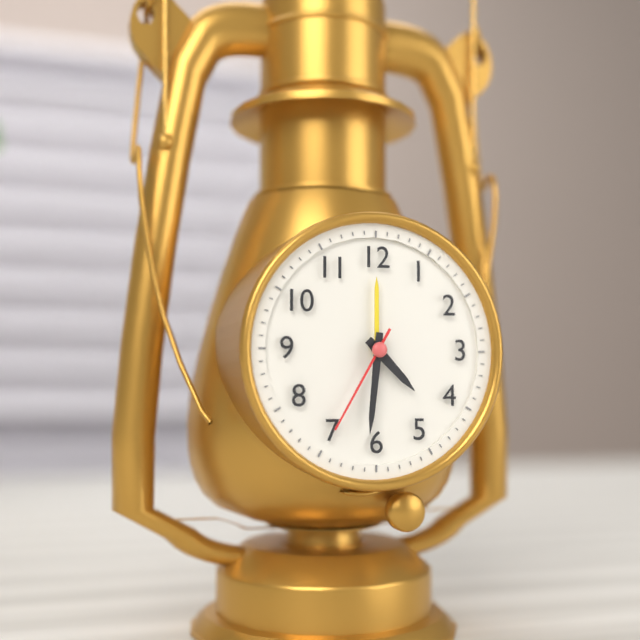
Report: {"hour": 4, "minute": 31, "second": 35}
